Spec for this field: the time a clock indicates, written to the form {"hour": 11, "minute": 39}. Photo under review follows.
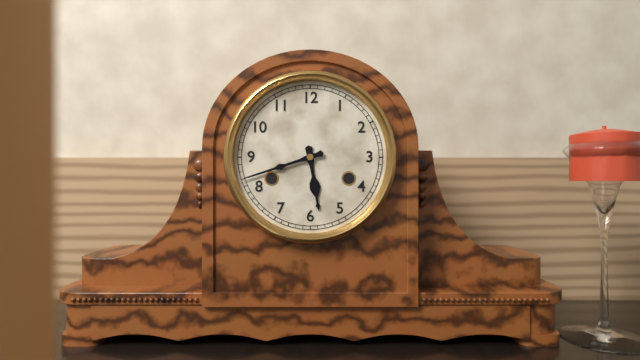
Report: {"hour": 5, "minute": 42}
